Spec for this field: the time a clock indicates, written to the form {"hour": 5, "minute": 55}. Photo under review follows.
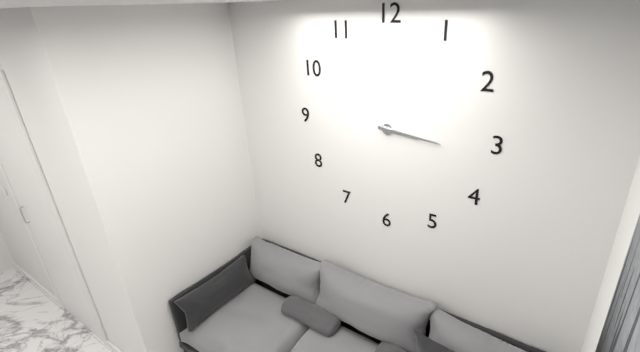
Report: {"hour": 3, "minute": 16}
